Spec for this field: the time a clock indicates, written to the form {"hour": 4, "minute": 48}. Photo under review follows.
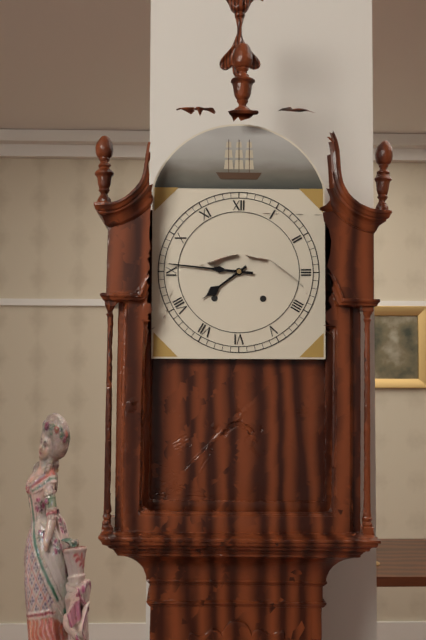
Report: {"hour": 7, "minute": 46}
